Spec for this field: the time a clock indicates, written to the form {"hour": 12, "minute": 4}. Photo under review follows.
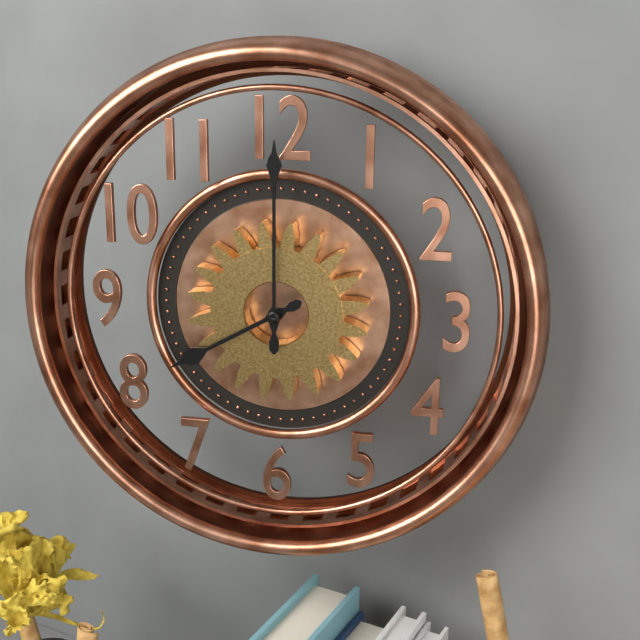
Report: {"hour": 8, "minute": 0}
